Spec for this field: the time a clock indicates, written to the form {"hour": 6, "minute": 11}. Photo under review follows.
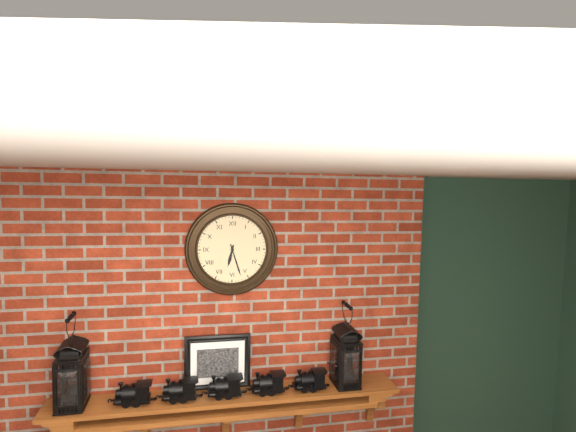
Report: {"hour": 6, "minute": 27}
